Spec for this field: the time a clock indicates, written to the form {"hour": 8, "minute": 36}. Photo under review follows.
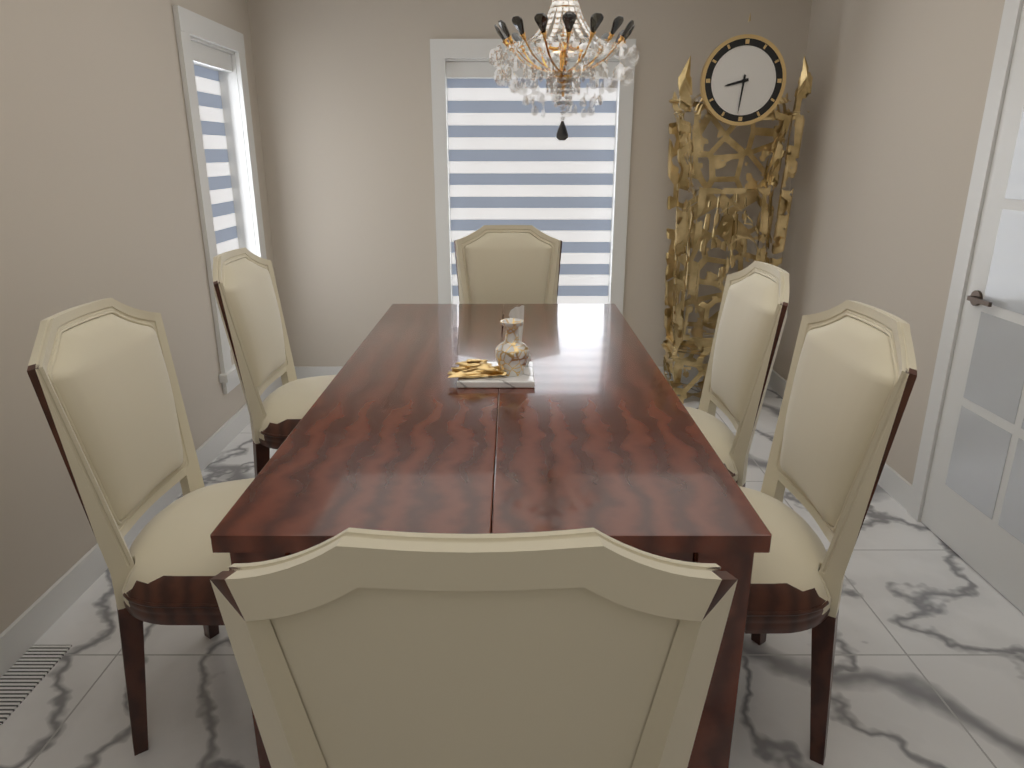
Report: {"hour": 8, "minute": 31}
